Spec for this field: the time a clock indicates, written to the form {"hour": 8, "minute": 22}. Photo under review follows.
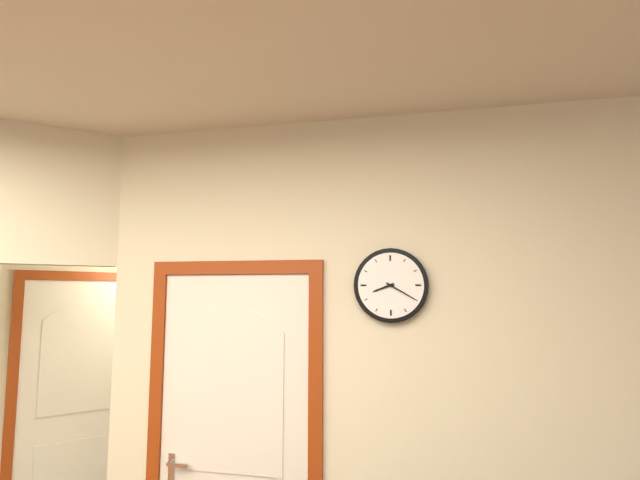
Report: {"hour": 8, "minute": 20}
